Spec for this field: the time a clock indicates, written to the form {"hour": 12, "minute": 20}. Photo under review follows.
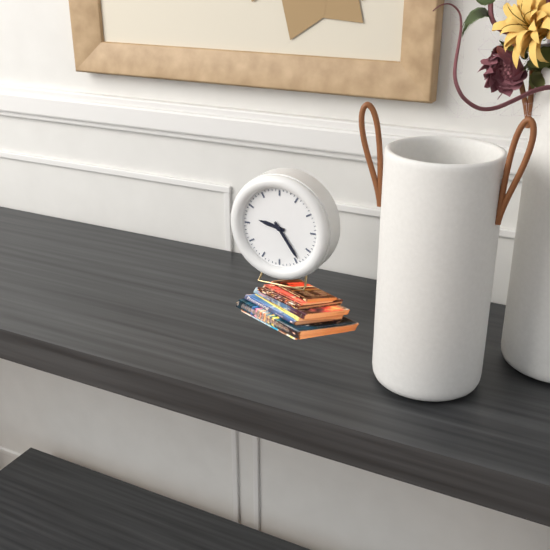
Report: {"hour": 9, "minute": 24}
